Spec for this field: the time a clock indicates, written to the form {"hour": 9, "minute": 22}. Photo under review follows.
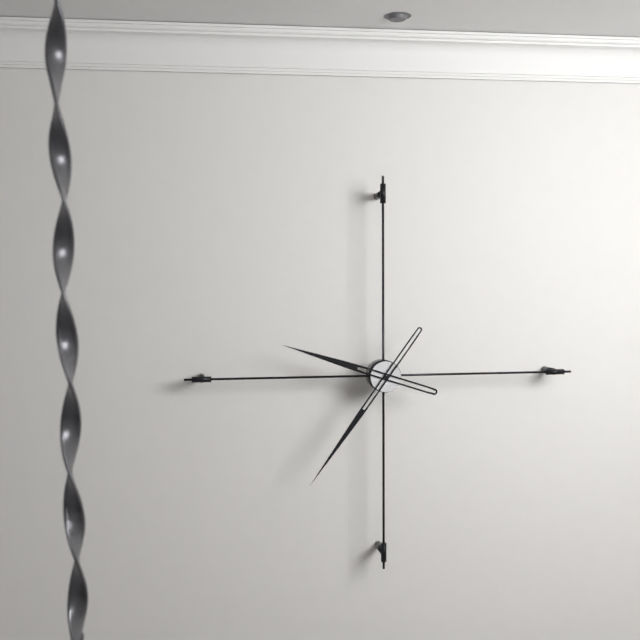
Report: {"hour": 9, "minute": 36}
